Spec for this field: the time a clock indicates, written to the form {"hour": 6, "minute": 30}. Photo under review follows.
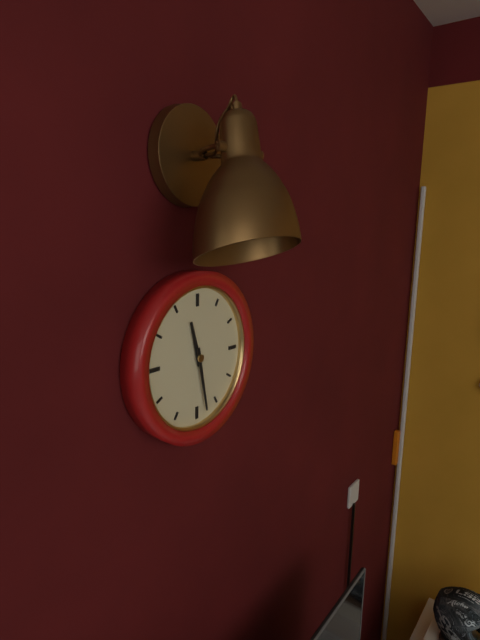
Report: {"hour": 11, "minute": 28}
